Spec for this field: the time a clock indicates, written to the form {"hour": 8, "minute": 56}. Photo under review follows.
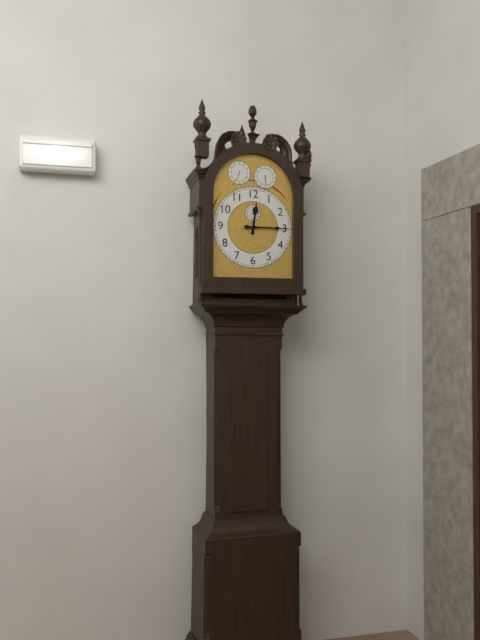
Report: {"hour": 12, "minute": 15}
